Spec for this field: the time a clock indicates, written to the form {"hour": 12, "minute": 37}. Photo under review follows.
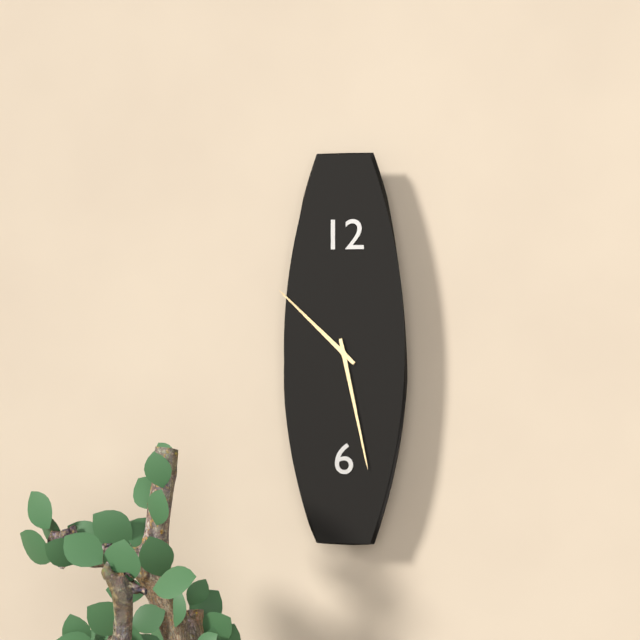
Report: {"hour": 10, "minute": 28}
